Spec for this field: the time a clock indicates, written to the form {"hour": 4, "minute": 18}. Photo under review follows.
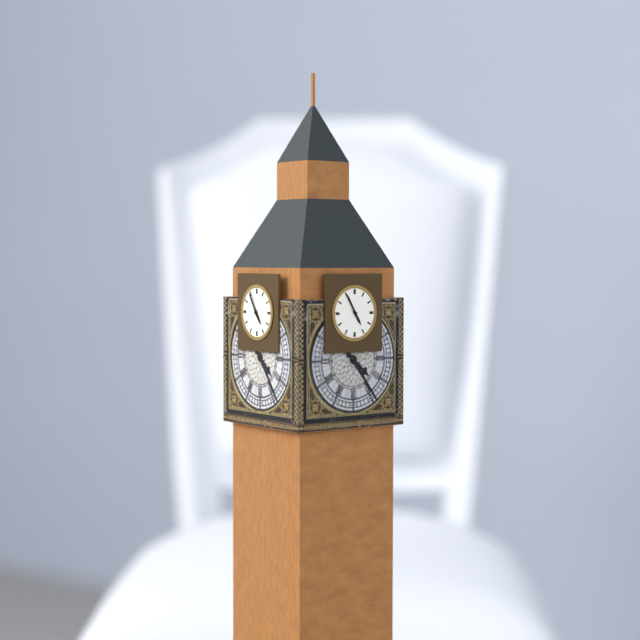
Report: {"hour": 4, "minute": 55}
